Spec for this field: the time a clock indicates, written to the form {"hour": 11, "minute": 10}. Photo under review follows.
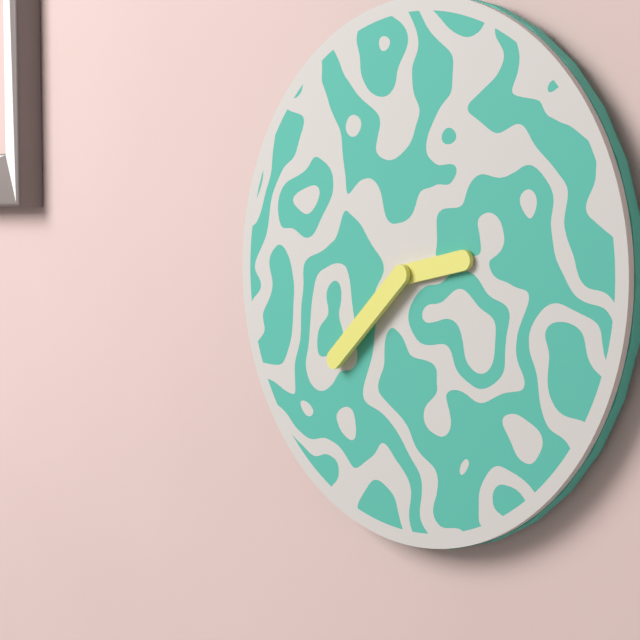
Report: {"hour": 2, "minute": 38}
